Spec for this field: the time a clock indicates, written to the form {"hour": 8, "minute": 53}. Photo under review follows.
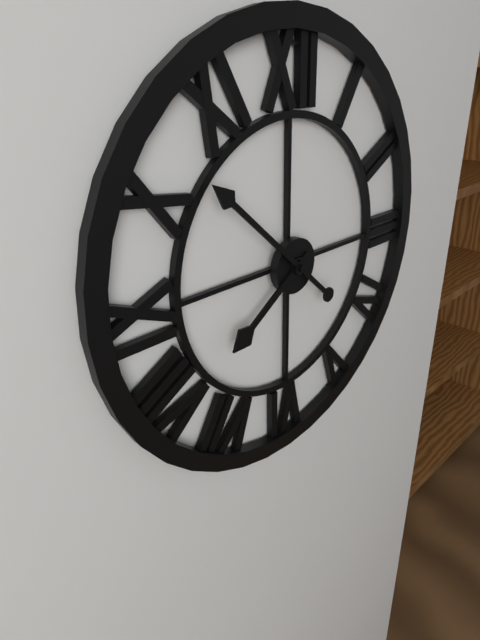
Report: {"hour": 7, "minute": 52}
